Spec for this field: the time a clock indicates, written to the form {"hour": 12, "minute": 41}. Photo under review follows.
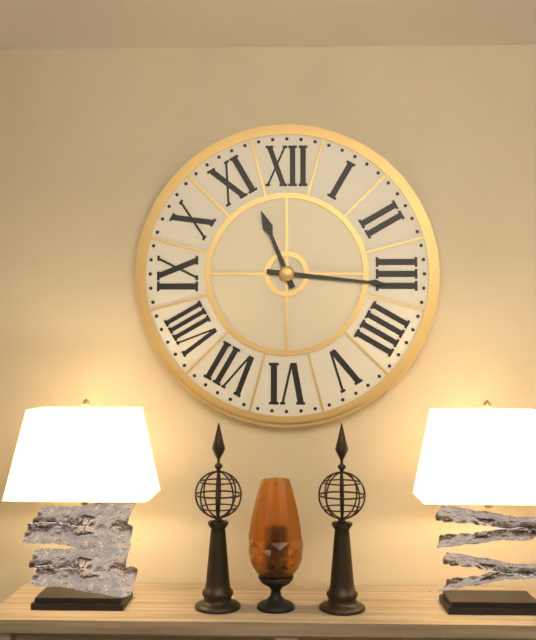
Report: {"hour": 11, "minute": 16}
